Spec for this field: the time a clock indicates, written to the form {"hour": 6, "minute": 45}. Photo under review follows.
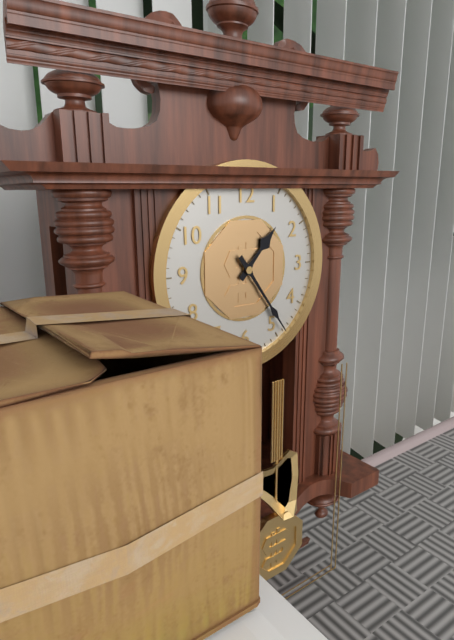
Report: {"hour": 1, "minute": 24}
